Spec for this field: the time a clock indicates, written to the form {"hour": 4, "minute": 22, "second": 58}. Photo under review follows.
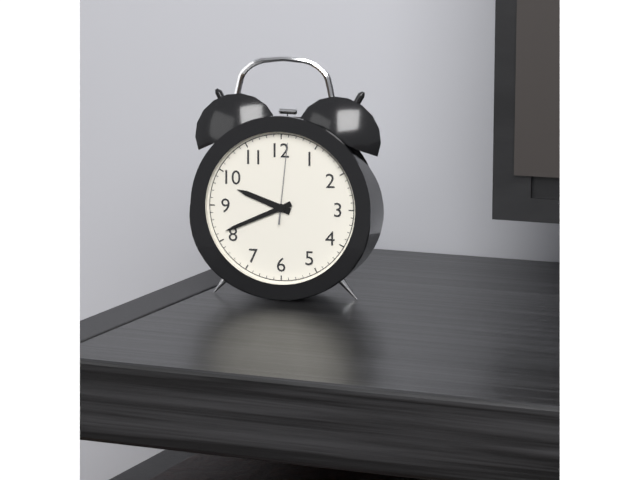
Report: {"hour": 9, "minute": 41, "second": 1}
